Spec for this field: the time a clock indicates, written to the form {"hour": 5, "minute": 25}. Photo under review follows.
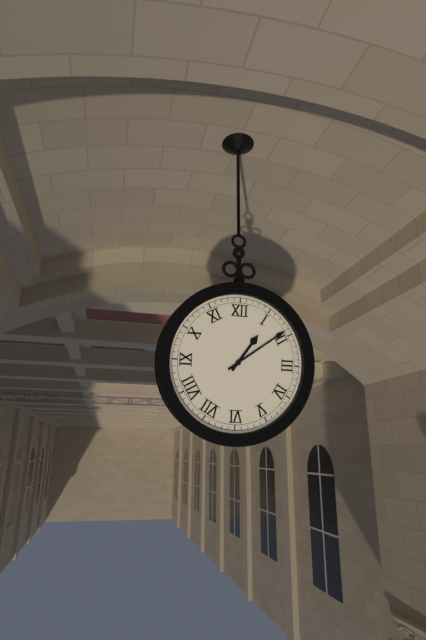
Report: {"hour": 1, "minute": 9}
